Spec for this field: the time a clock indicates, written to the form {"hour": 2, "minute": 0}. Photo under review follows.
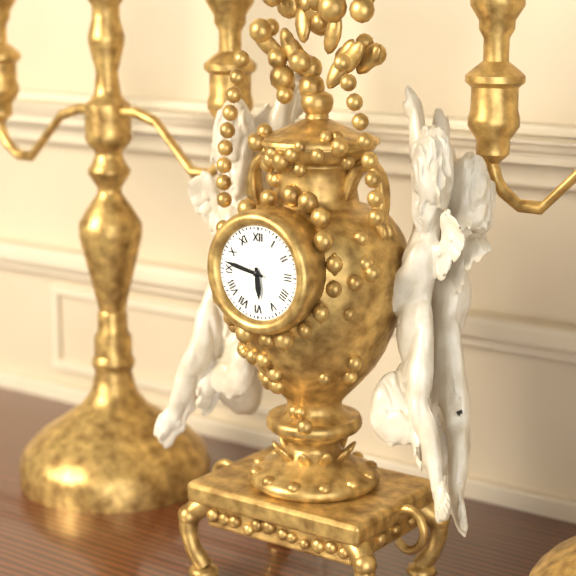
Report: {"hour": 5, "minute": 47}
